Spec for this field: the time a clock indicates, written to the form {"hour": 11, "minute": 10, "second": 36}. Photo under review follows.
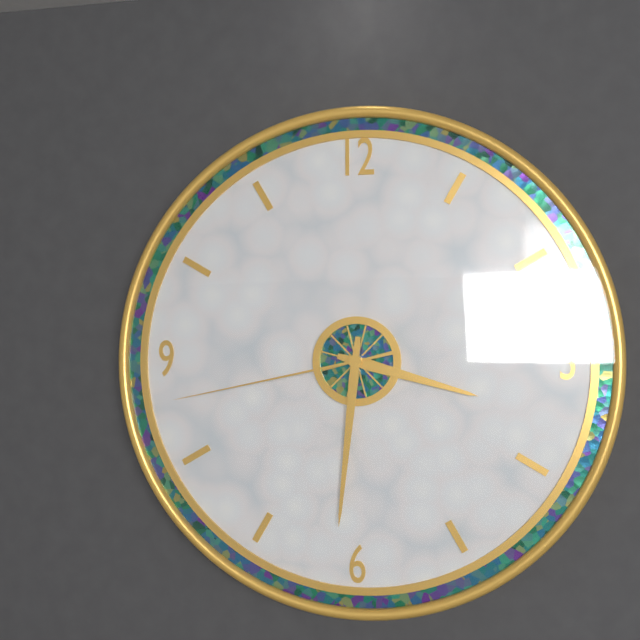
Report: {"hour": 3, "minute": 31, "second": 43}
